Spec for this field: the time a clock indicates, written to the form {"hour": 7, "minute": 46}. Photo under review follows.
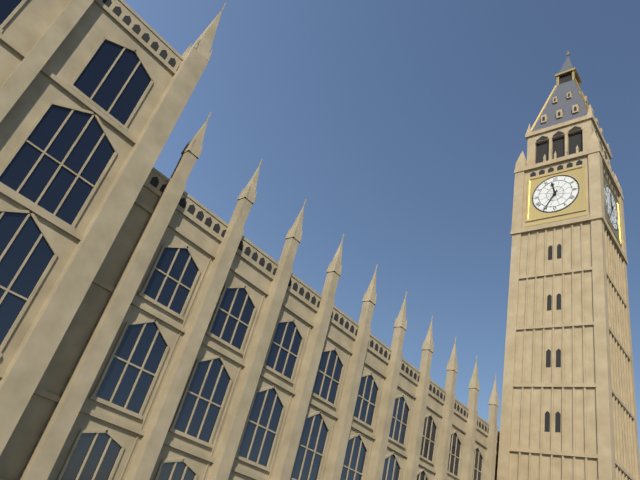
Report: {"hour": 11, "minute": 35}
